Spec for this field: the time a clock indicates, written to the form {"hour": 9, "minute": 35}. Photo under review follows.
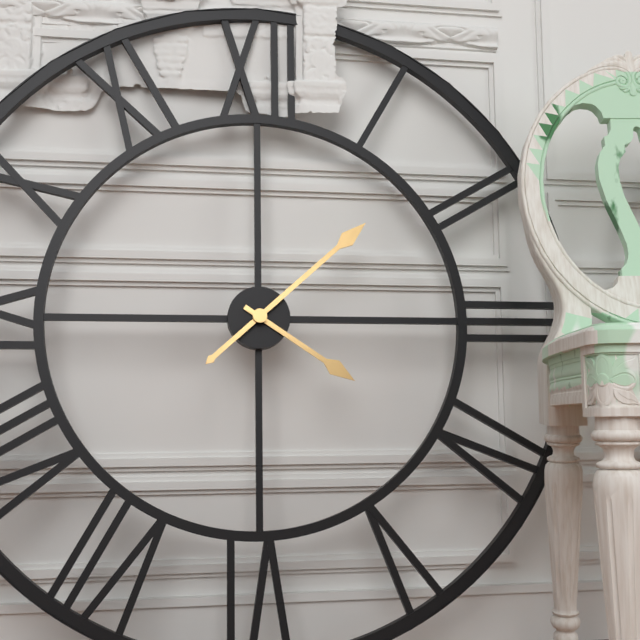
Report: {"hour": 4, "minute": 8}
